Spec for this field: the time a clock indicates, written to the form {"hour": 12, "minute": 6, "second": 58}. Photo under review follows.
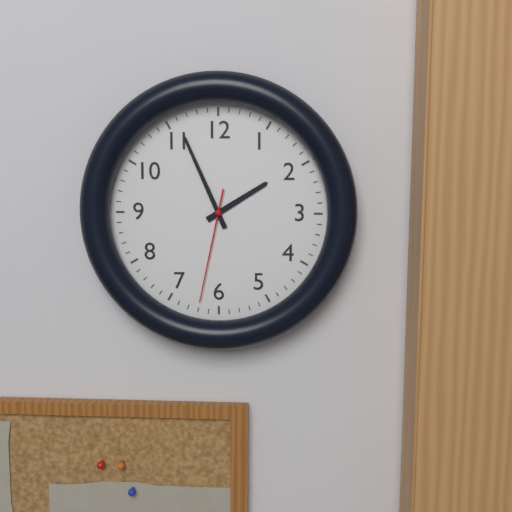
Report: {"hour": 1, "minute": 56, "second": 32}
